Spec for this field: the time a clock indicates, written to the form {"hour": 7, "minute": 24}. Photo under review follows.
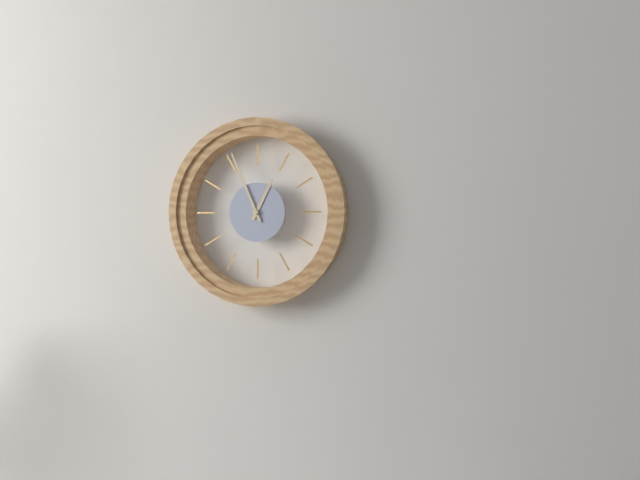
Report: {"hour": 12, "minute": 56}
